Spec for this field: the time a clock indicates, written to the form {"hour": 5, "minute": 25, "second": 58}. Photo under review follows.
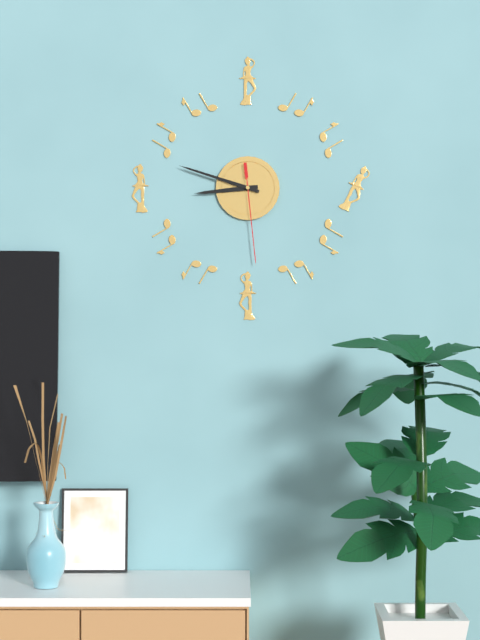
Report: {"hour": 8, "minute": 48, "second": 29}
